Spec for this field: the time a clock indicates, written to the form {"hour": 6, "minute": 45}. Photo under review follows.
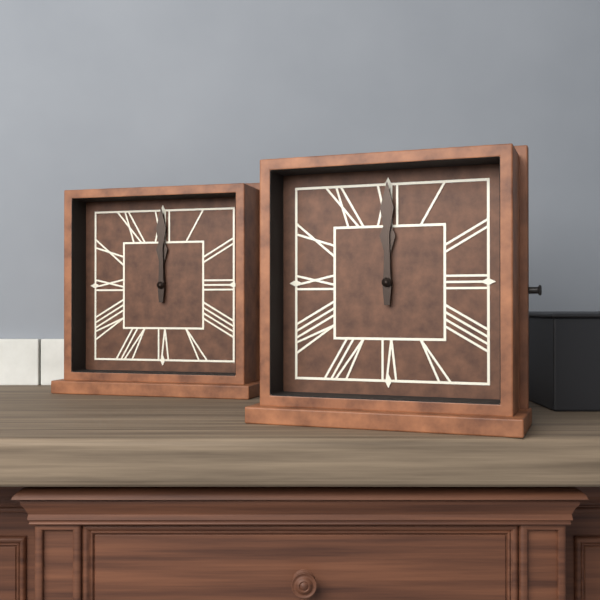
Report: {"hour": 12, "minute": 0}
